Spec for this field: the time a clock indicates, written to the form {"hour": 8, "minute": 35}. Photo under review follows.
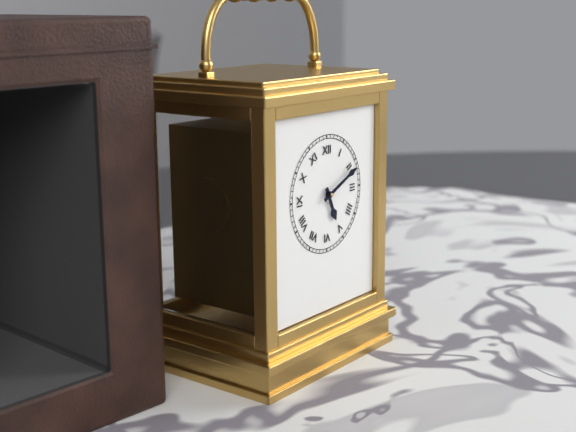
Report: {"hour": 5, "minute": 11}
